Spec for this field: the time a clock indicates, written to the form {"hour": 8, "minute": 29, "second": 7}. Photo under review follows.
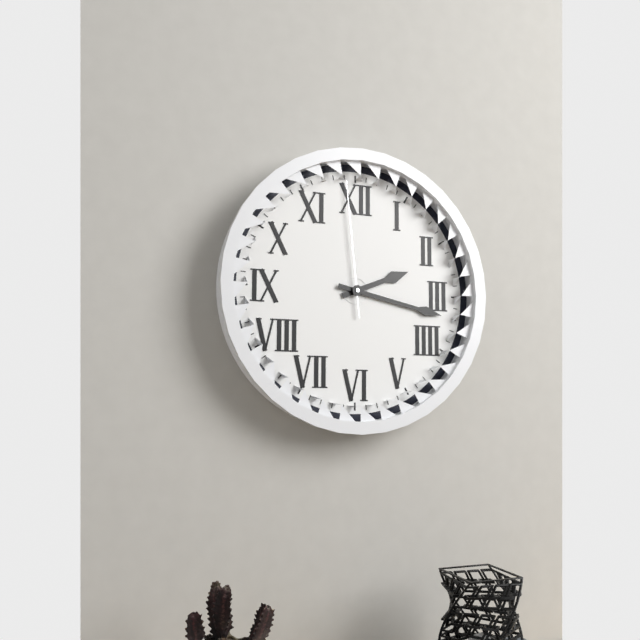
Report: {"hour": 2, "minute": 17, "second": 59}
